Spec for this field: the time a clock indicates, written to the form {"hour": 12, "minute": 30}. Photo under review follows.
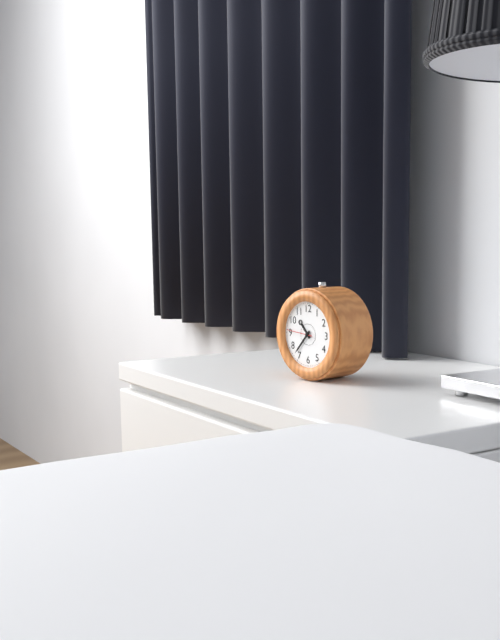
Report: {"hour": 10, "minute": 37}
